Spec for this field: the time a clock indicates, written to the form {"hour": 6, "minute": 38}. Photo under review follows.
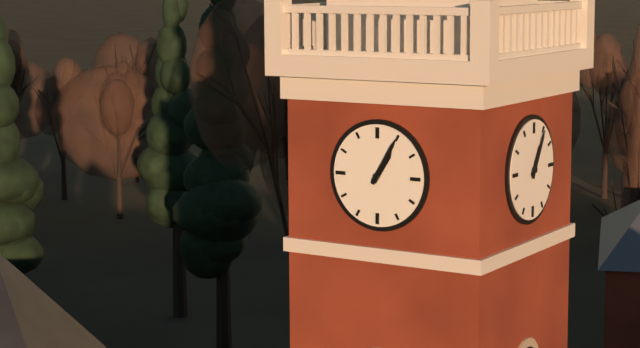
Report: {"hour": 1, "minute": 5}
